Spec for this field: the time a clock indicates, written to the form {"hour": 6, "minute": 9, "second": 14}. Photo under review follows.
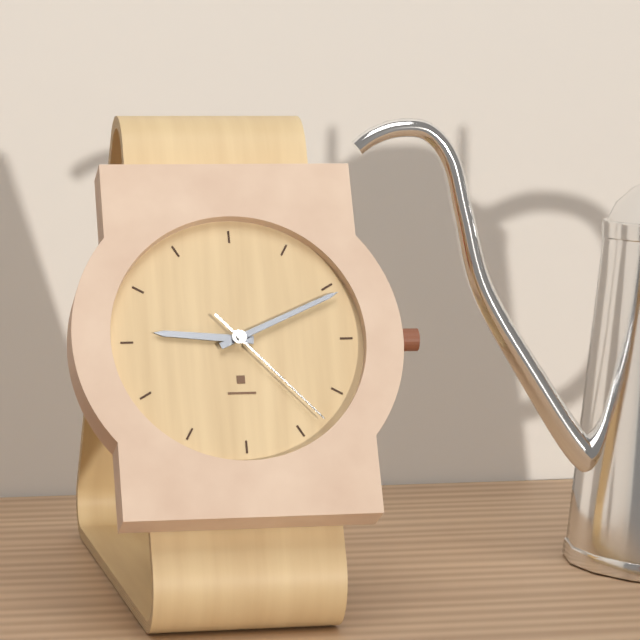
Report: {"hour": 9, "minute": 11, "second": 23}
